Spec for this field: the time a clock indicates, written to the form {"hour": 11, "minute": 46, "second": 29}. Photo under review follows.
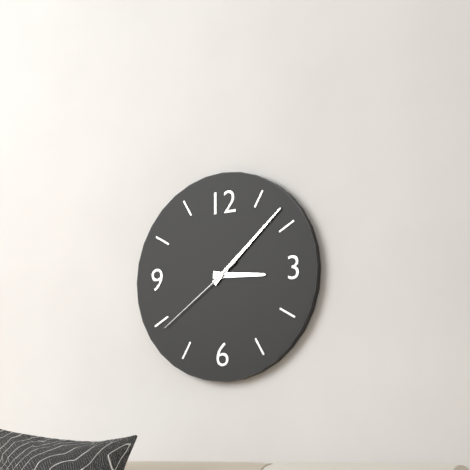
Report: {"hour": 3, "minute": 8, "second": 39}
